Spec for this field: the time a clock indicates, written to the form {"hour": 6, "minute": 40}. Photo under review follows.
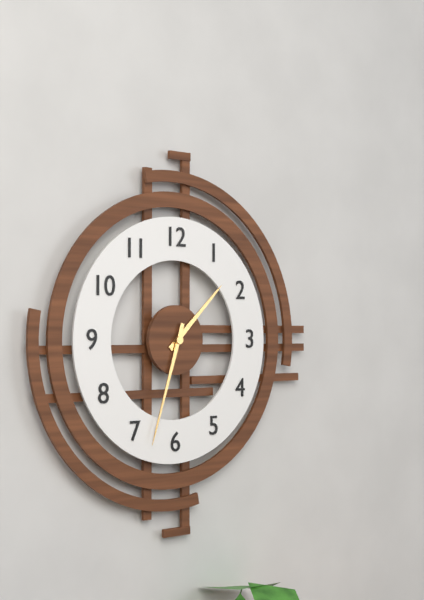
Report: {"hour": 1, "minute": 33}
